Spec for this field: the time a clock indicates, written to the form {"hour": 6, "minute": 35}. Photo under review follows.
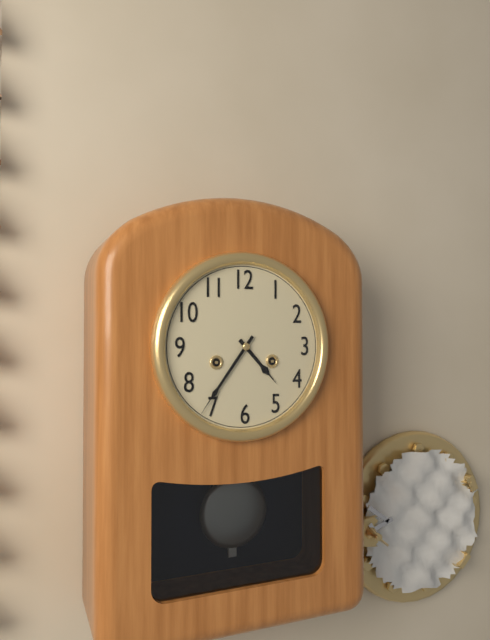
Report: {"hour": 4, "minute": 36}
